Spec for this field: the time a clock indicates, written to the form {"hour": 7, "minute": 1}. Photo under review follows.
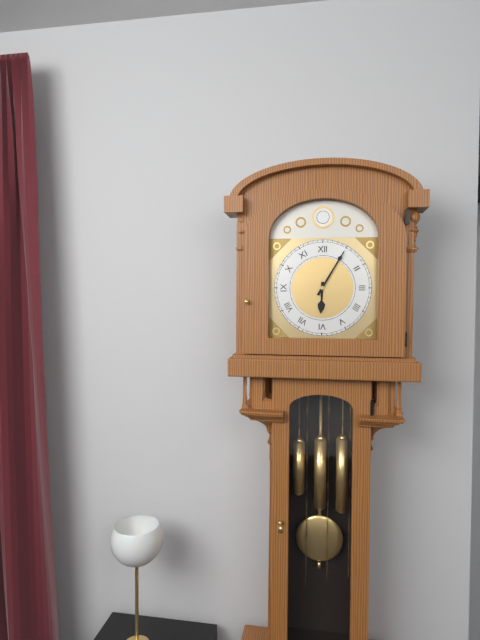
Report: {"hour": 6, "minute": 5}
